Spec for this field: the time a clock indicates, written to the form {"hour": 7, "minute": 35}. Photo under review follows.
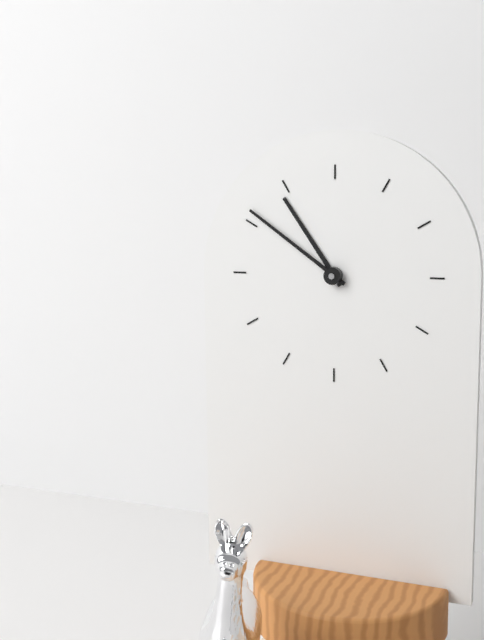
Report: {"hour": 10, "minute": 51}
